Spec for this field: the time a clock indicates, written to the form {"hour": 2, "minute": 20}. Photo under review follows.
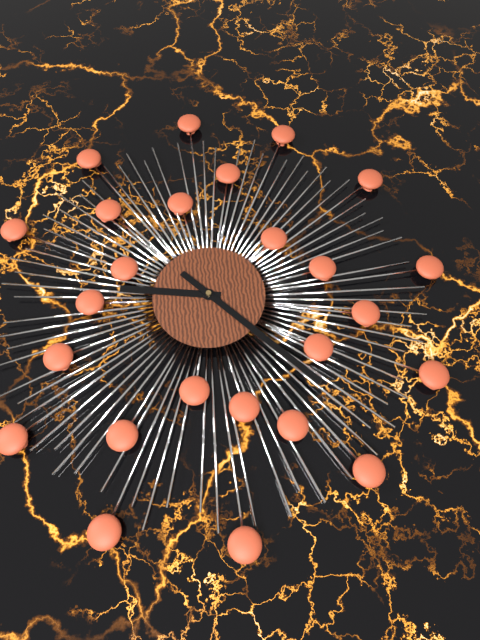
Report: {"hour": 9, "minute": 23}
